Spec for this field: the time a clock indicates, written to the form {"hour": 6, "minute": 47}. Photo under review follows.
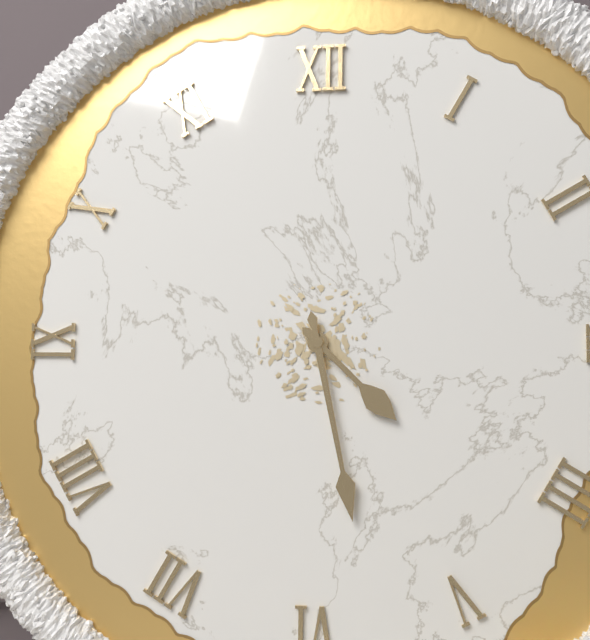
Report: {"hour": 4, "minute": 28}
